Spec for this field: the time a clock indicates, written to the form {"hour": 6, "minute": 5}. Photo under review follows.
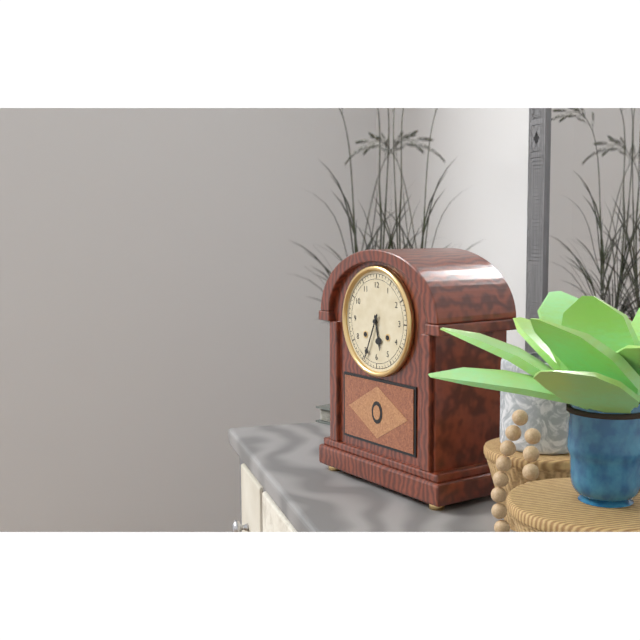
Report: {"hour": 5, "minute": 34}
